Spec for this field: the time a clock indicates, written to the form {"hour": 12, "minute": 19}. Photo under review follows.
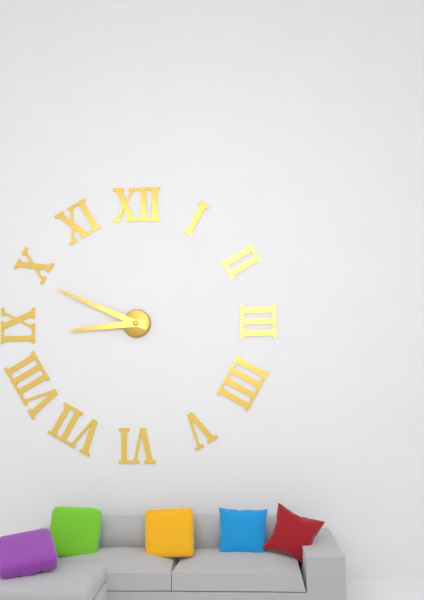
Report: {"hour": 8, "minute": 49}
